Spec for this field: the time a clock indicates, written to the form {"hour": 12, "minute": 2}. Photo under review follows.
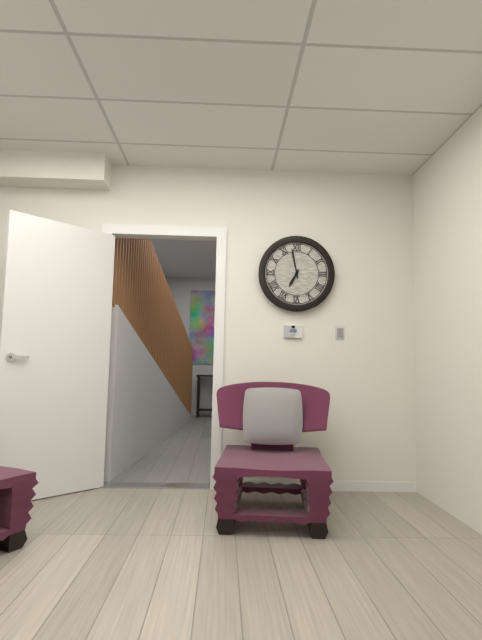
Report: {"hour": 6, "minute": 58}
